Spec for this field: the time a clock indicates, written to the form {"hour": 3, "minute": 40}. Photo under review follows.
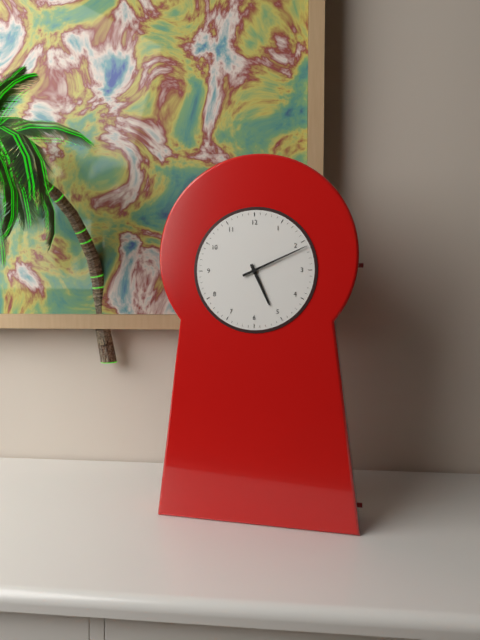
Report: {"hour": 5, "minute": 11}
